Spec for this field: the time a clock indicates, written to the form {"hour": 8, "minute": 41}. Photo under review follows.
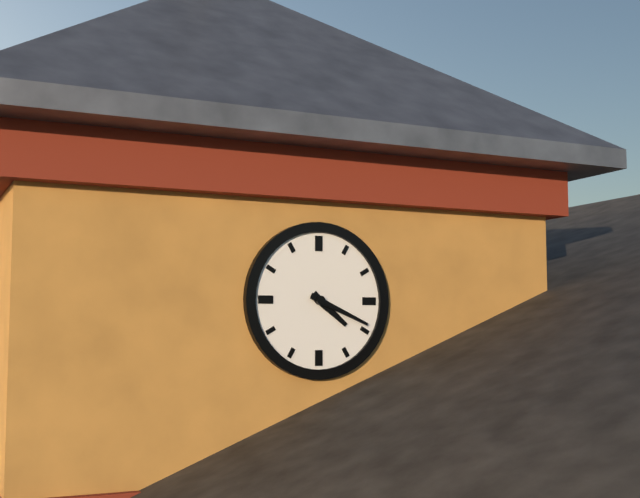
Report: {"hour": 4, "minute": 19}
